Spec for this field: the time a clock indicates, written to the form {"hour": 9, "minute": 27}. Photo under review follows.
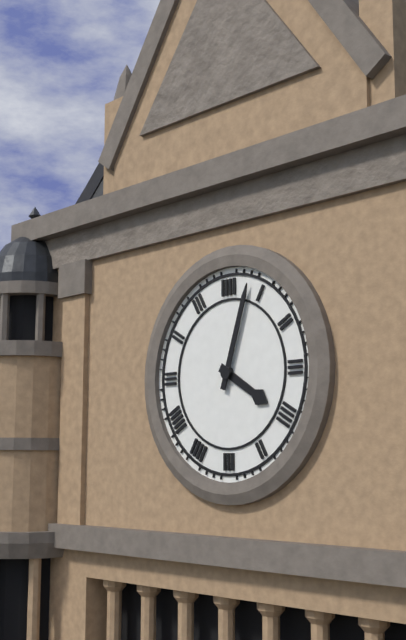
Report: {"hour": 4, "minute": 3}
